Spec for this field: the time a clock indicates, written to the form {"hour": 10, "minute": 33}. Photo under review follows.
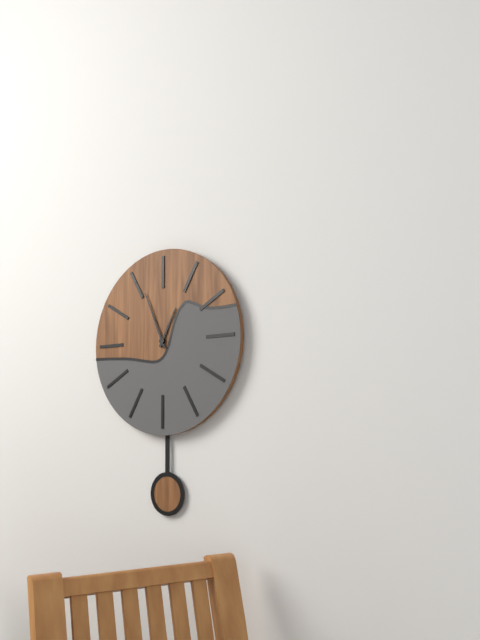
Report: {"hour": 12, "minute": 56}
